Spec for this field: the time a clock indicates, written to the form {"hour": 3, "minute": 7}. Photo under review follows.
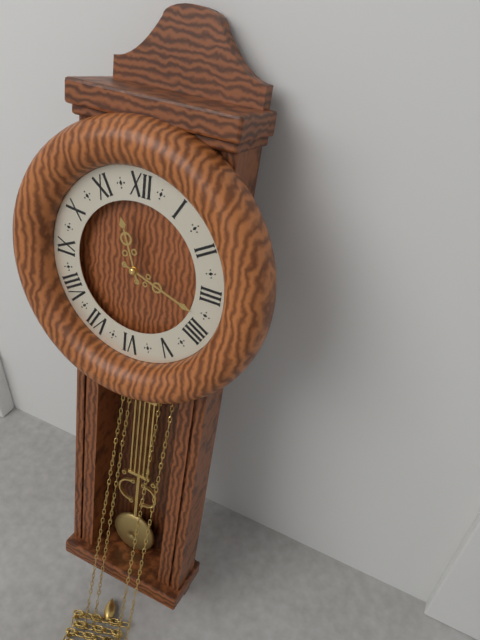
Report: {"hour": 11, "minute": 18}
